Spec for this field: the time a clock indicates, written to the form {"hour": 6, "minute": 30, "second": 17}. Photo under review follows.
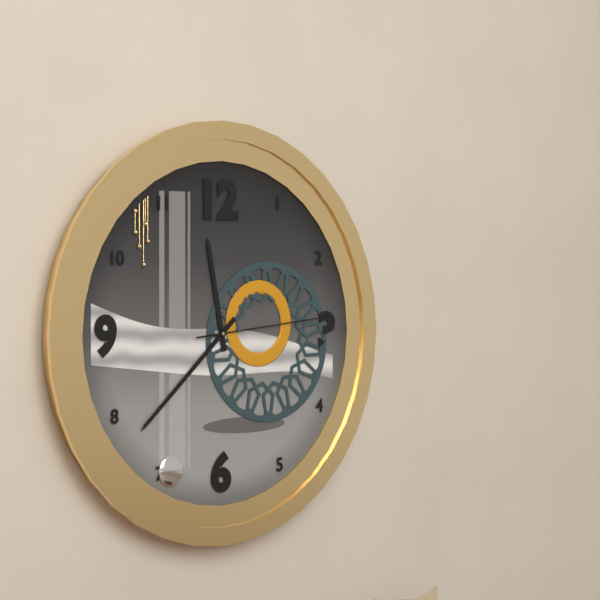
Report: {"hour": 11, "minute": 38, "second": 14}
